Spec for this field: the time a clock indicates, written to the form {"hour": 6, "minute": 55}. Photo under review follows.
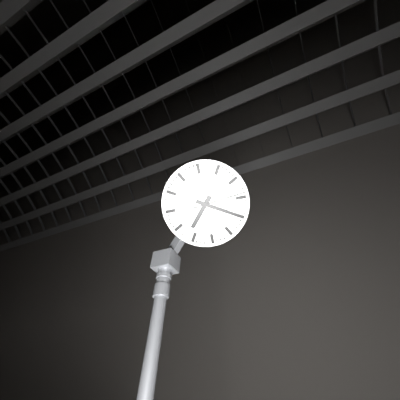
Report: {"hour": 7, "minute": 20}
